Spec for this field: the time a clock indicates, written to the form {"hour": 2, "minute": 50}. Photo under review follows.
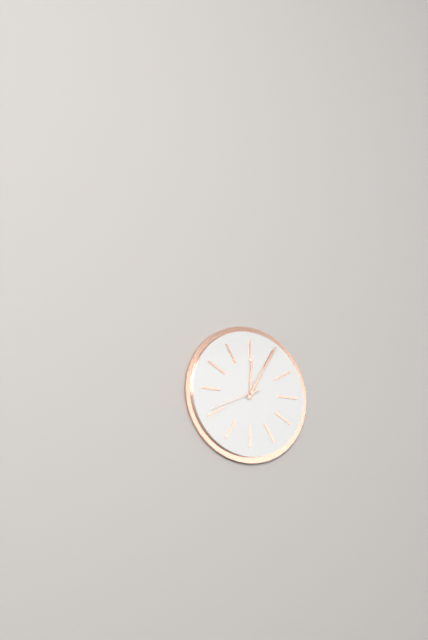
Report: {"hour": 12, "minute": 5}
